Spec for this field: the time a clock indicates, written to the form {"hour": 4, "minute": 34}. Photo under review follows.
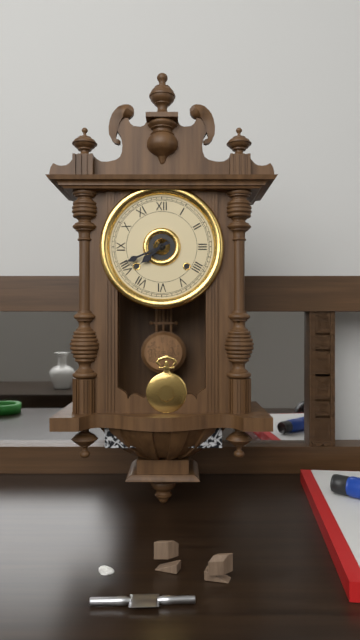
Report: {"hour": 7, "minute": 41}
